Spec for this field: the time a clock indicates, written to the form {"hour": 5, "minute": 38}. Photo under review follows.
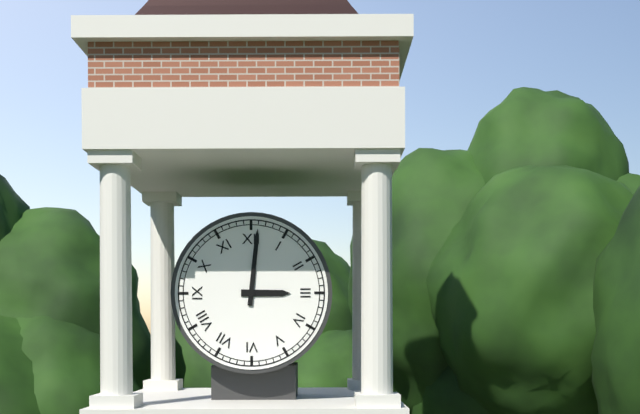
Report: {"hour": 3, "minute": 1}
